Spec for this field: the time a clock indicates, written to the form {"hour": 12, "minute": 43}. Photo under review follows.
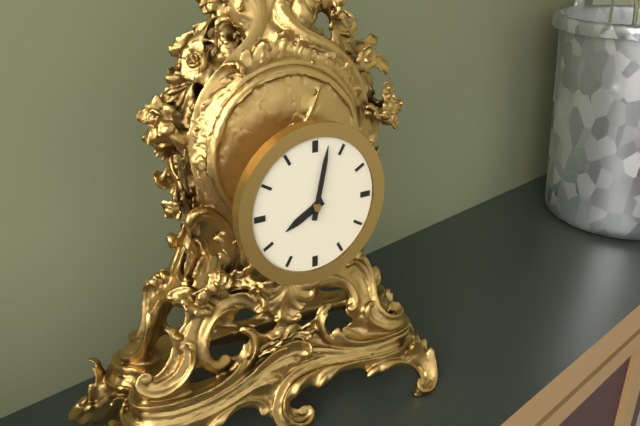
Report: {"hour": 8, "minute": 2}
